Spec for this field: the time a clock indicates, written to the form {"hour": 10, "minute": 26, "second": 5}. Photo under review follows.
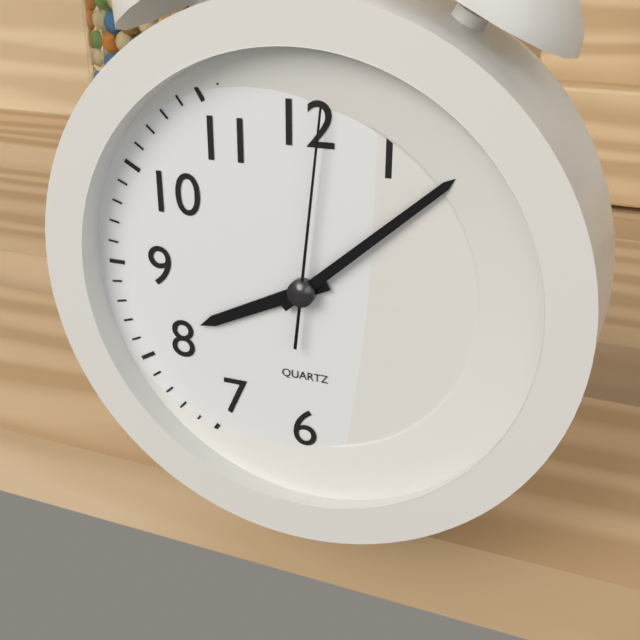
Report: {"hour": 8, "minute": 8, "second": 1}
